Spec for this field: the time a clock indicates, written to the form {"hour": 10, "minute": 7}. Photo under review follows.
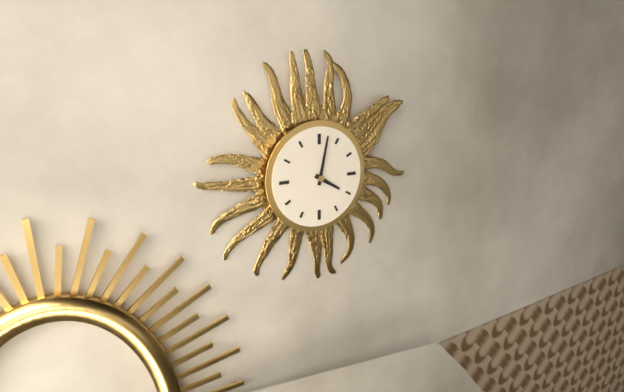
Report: {"hour": 4, "minute": 2}
